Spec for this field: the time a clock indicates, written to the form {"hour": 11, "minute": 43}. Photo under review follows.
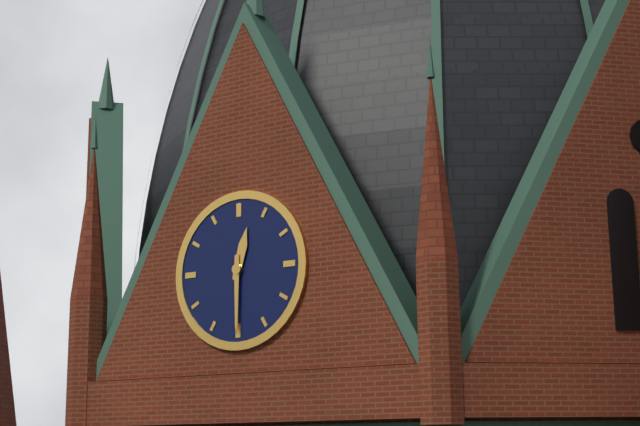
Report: {"hour": 12, "minute": 30}
